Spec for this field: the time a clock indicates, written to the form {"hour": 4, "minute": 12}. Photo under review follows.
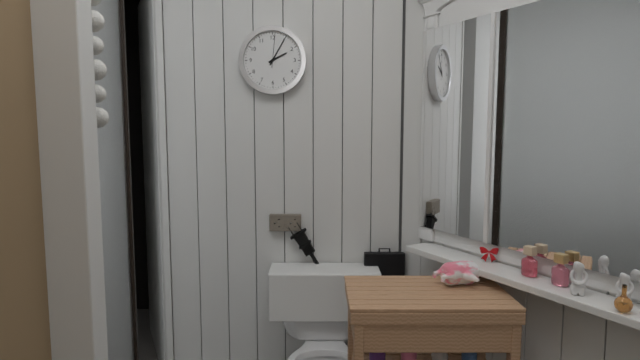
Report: {"hour": 2, "minute": 5}
